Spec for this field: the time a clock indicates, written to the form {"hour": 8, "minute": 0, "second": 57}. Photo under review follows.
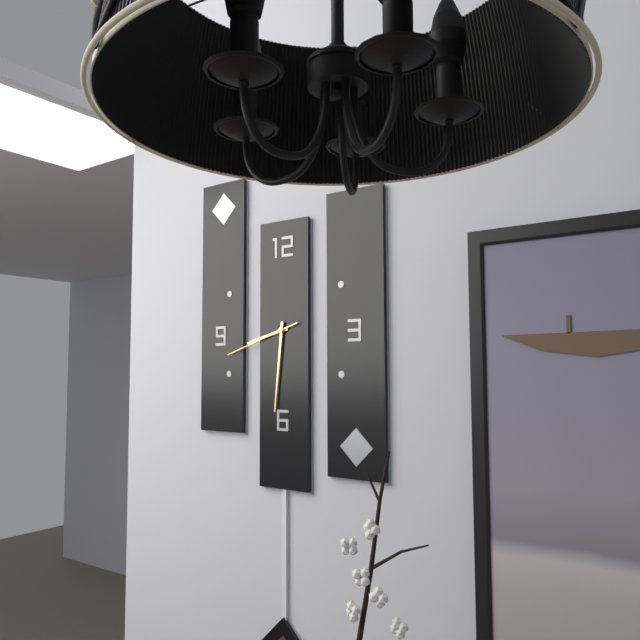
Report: {"hour": 8, "minute": 31, "second": 42}
